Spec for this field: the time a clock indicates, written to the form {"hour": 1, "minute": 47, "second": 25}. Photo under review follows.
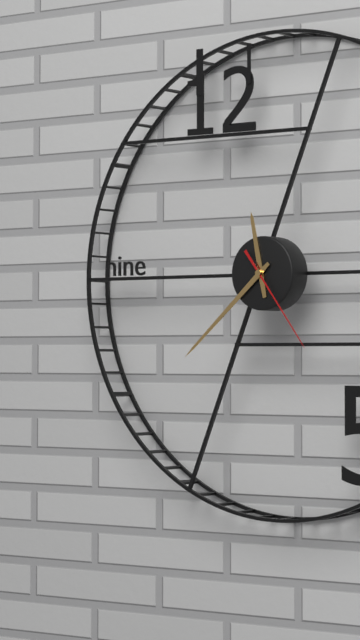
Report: {"hour": 11, "minute": 38, "second": 24}
